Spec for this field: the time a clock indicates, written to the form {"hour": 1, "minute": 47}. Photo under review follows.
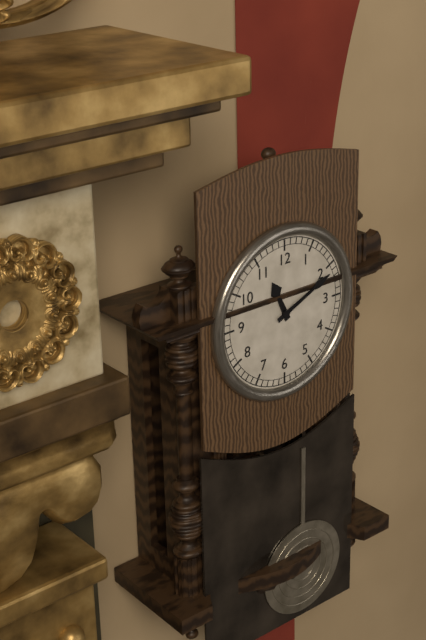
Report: {"hour": 11, "minute": 11}
